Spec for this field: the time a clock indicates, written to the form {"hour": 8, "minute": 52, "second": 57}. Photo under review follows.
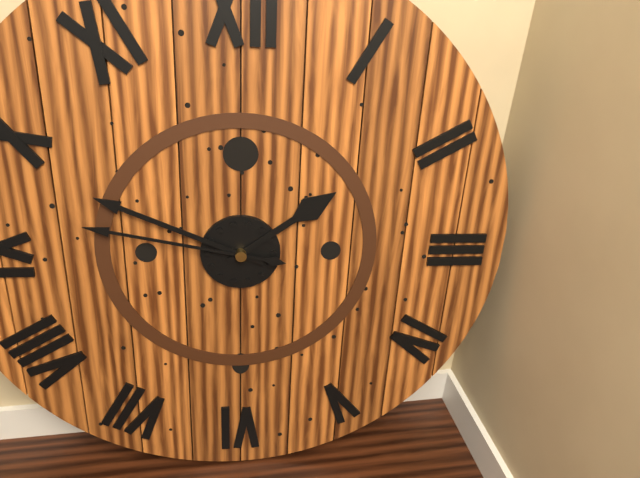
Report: {"hour": 1, "minute": 49, "second": 47}
